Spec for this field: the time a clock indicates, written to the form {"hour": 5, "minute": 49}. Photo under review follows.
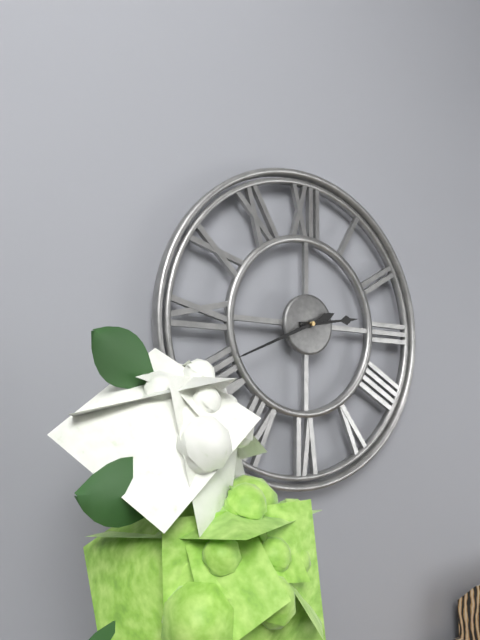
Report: {"hour": 2, "minute": 41}
